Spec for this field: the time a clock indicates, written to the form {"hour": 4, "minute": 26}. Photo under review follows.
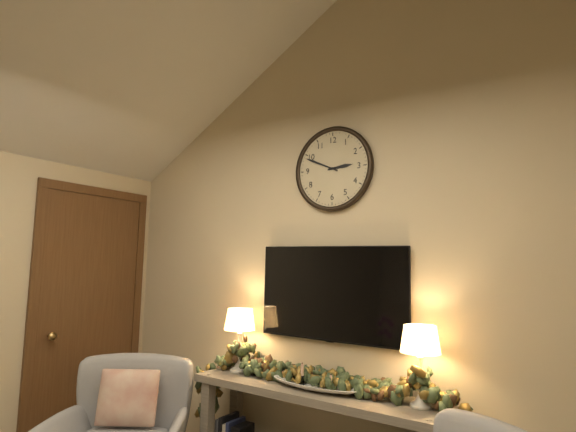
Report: {"hour": 2, "minute": 49}
